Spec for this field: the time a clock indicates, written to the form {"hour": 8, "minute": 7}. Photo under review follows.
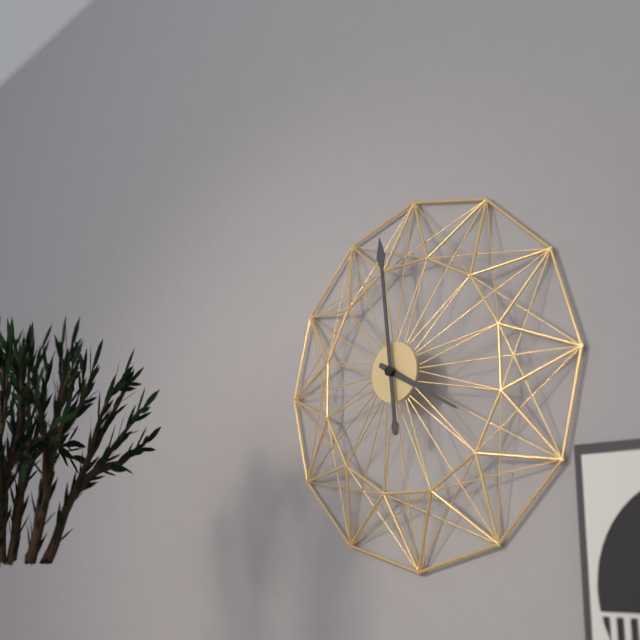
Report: {"hour": 3, "minute": 59}
